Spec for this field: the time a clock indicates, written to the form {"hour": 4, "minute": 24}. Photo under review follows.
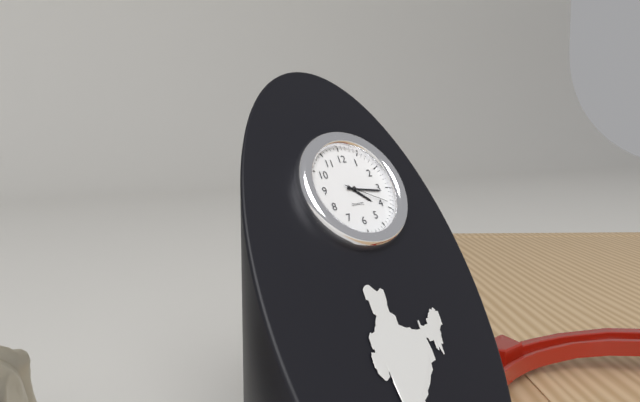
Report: {"hour": 4, "minute": 16}
